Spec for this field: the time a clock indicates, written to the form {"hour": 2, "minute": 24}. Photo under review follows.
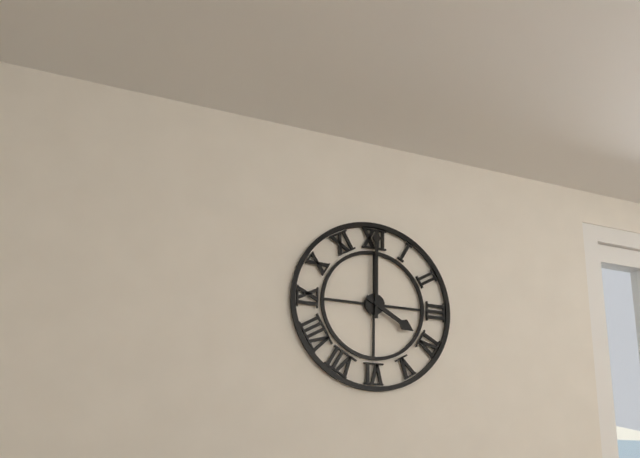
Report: {"hour": 4, "minute": 0}
